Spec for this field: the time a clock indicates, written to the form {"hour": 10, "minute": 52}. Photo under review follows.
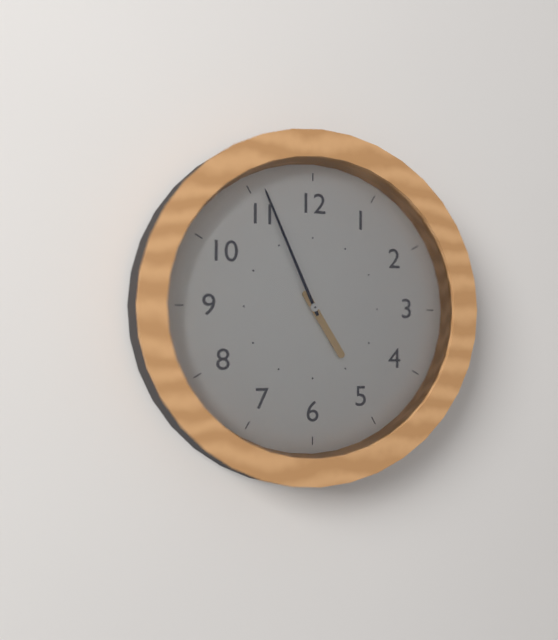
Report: {"hour": 4, "minute": 56}
